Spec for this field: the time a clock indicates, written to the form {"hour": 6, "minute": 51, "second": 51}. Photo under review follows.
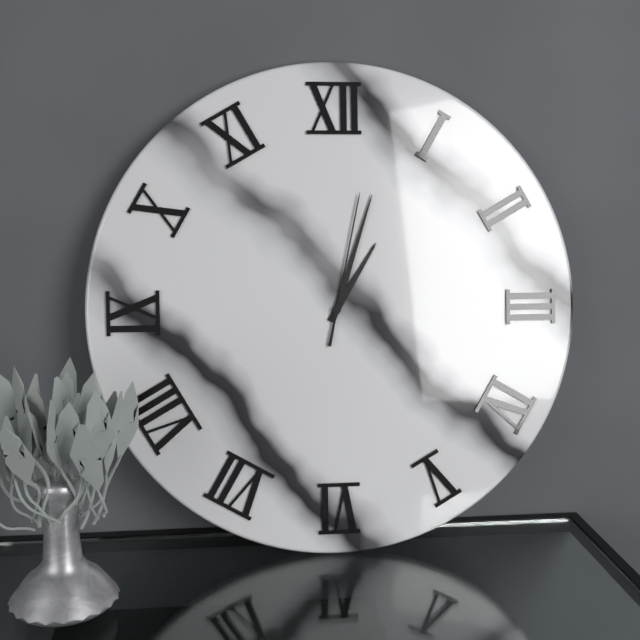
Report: {"hour": 1, "minute": 3, "second": 2}
